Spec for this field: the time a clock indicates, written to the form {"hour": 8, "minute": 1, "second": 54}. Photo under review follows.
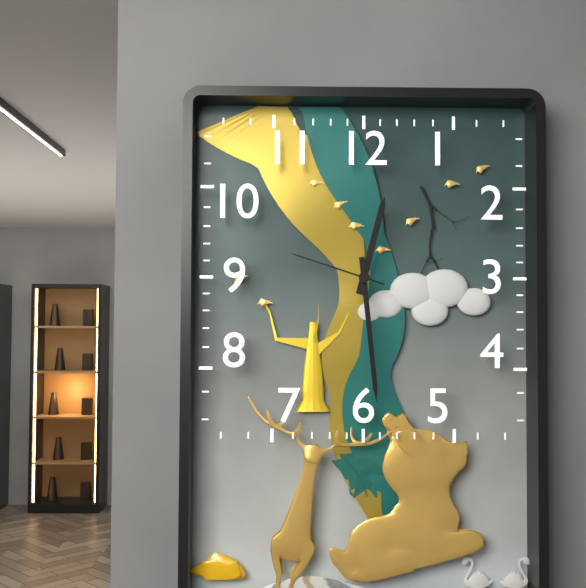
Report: {"hour": 12, "minute": 29, "second": 48}
